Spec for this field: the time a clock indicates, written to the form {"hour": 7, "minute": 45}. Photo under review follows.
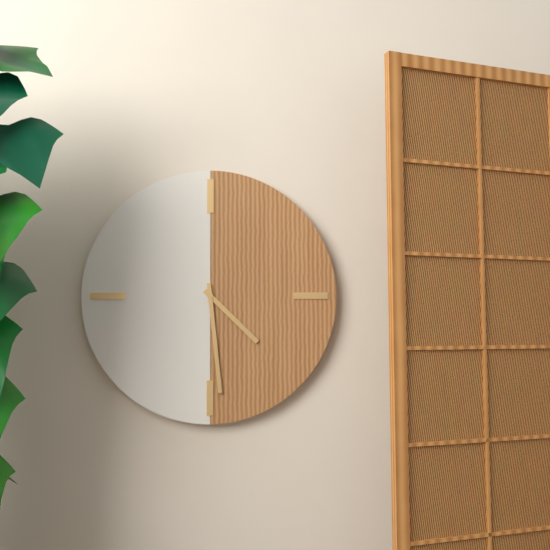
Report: {"hour": 4, "minute": 29}
